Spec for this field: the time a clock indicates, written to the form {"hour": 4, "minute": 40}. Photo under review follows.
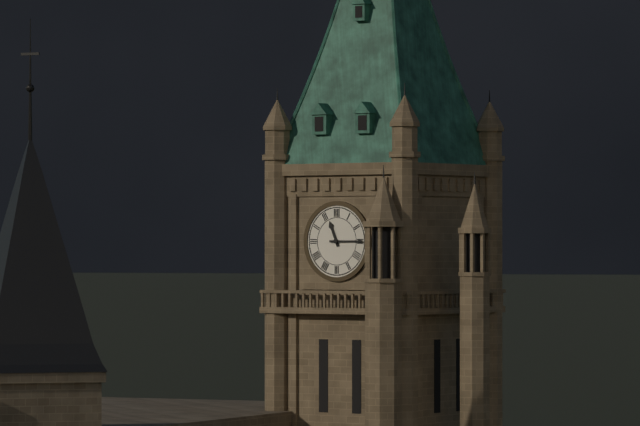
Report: {"hour": 11, "minute": 15}
